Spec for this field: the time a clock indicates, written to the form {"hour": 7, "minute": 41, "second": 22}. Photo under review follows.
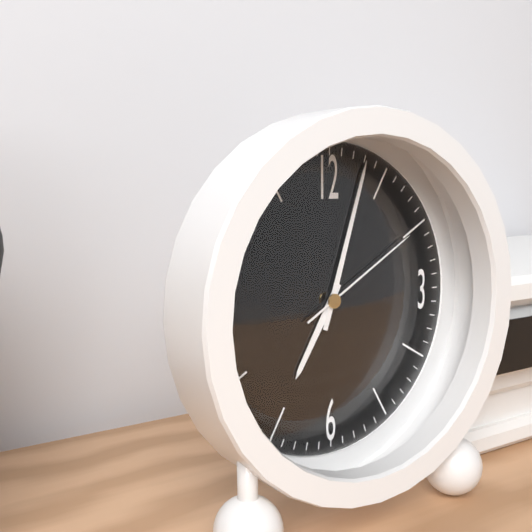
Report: {"hour": 7, "minute": 3, "second": 10}
